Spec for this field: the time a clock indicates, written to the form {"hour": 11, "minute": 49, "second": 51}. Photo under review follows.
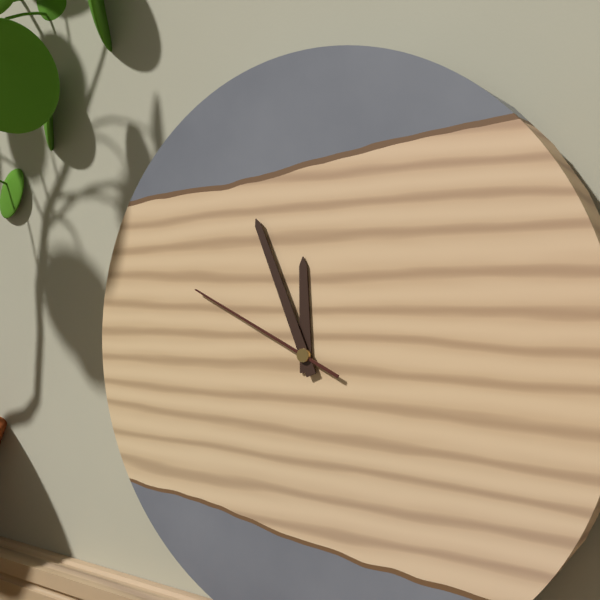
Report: {"hour": 11, "minute": 56, "second": 49}
